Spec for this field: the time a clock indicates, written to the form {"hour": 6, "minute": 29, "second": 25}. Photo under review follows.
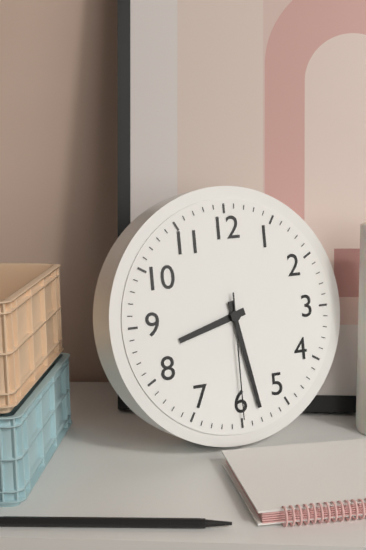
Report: {"hour": 8, "minute": 28, "second": 30}
